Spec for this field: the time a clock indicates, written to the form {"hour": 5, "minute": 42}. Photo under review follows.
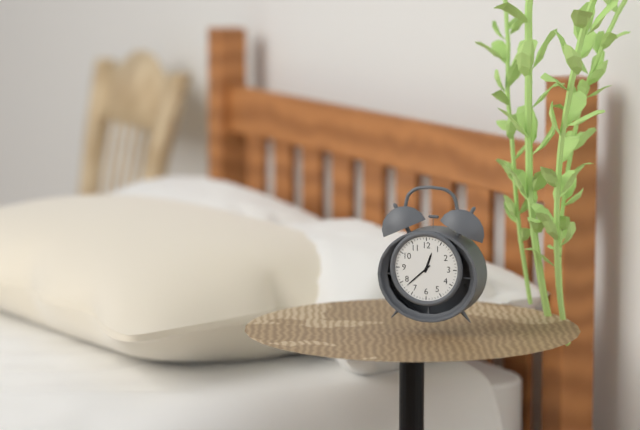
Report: {"hour": 12, "minute": 38}
